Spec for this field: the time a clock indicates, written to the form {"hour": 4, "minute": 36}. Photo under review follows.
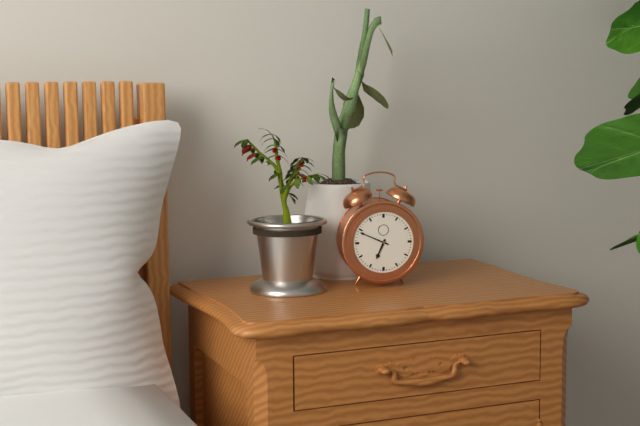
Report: {"hour": 6, "minute": 49}
